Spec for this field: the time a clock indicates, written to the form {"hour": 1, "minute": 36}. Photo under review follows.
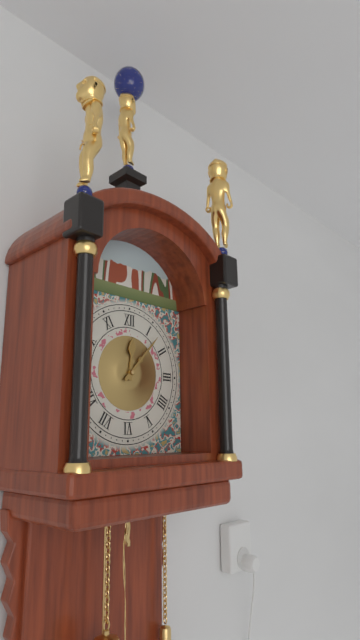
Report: {"hour": 12, "minute": 7}
